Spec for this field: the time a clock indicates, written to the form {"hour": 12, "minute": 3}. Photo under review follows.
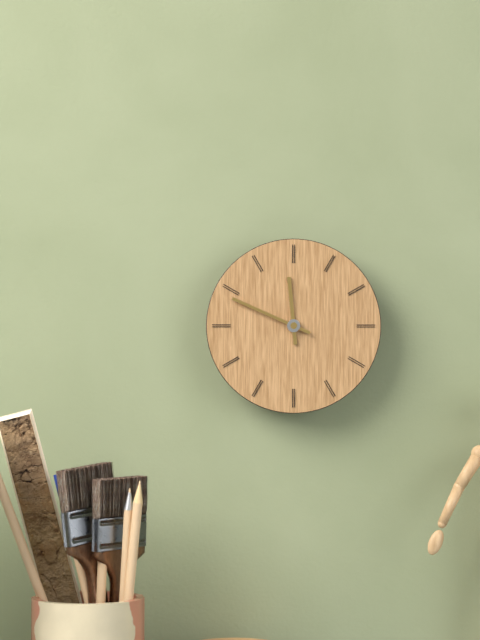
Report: {"hour": 11, "minute": 49}
